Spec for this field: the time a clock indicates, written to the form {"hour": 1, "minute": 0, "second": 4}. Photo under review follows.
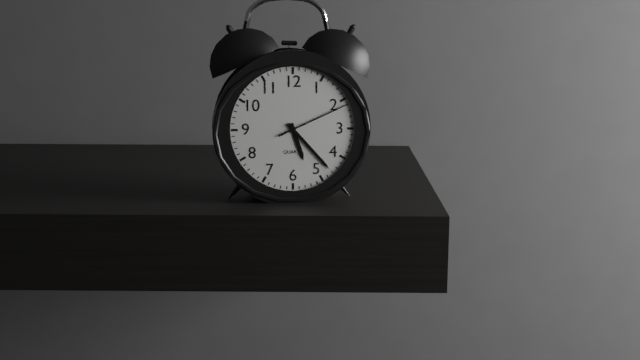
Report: {"hour": 5, "minute": 23, "second": 11}
